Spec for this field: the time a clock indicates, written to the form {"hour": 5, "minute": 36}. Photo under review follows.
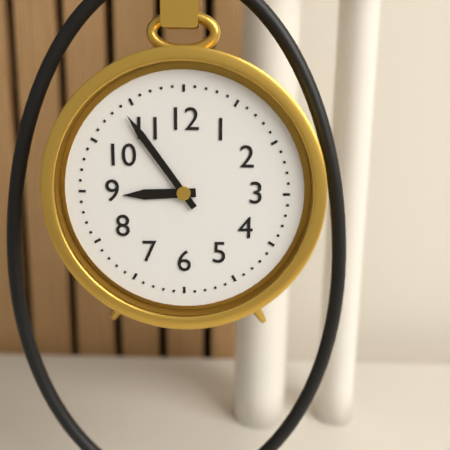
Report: {"hour": 8, "minute": 54}
